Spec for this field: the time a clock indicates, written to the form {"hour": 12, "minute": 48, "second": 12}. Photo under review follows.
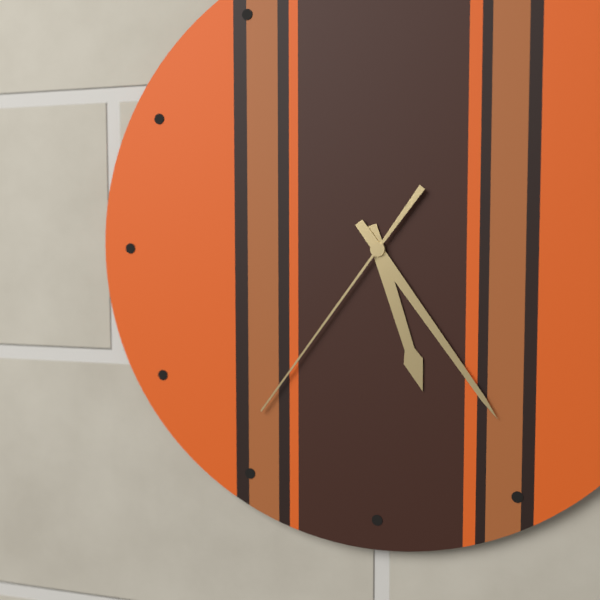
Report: {"hour": 5, "minute": 24, "second": 36}
